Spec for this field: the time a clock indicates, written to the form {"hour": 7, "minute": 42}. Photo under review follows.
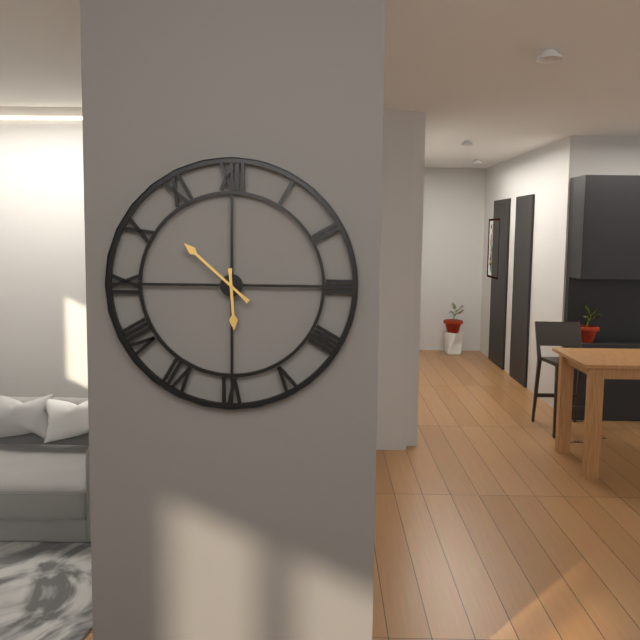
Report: {"hour": 5, "minute": 52}
